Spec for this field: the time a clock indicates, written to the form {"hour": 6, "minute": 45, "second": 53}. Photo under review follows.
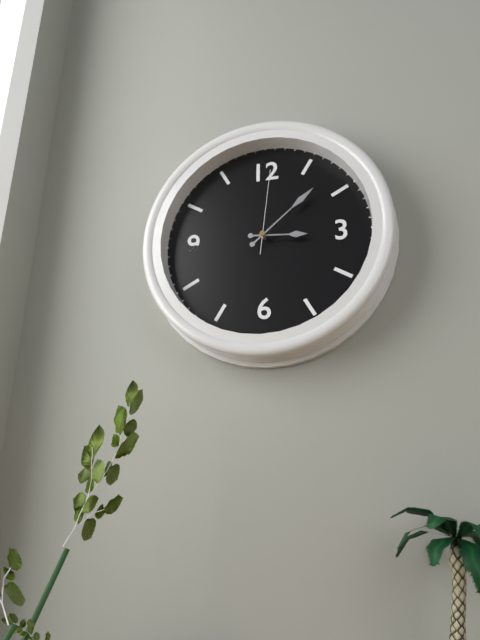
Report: {"hour": 3, "minute": 8, "second": 1}
